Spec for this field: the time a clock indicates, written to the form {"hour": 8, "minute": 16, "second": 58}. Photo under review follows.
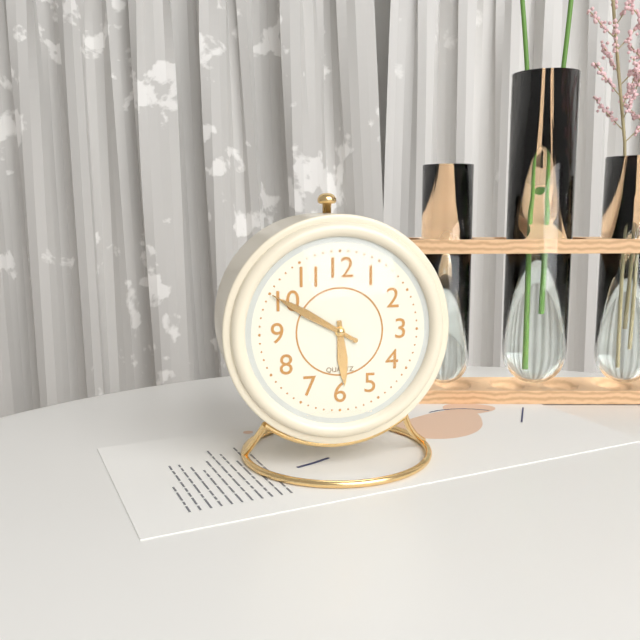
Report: {"hour": 5, "minute": 50, "second": 50}
